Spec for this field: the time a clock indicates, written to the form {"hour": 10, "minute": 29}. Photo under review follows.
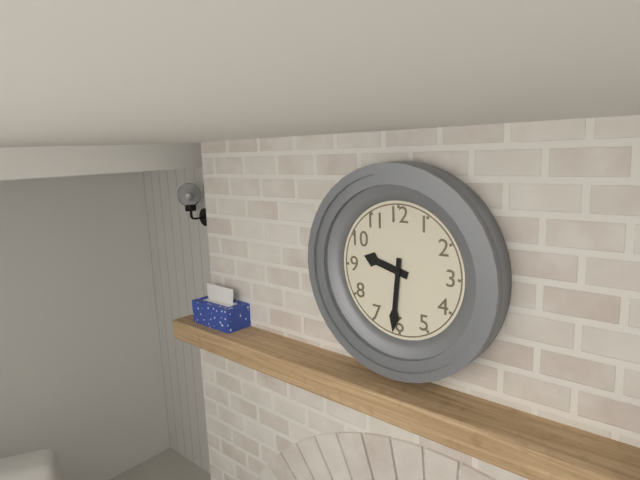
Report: {"hour": 9, "minute": 31}
